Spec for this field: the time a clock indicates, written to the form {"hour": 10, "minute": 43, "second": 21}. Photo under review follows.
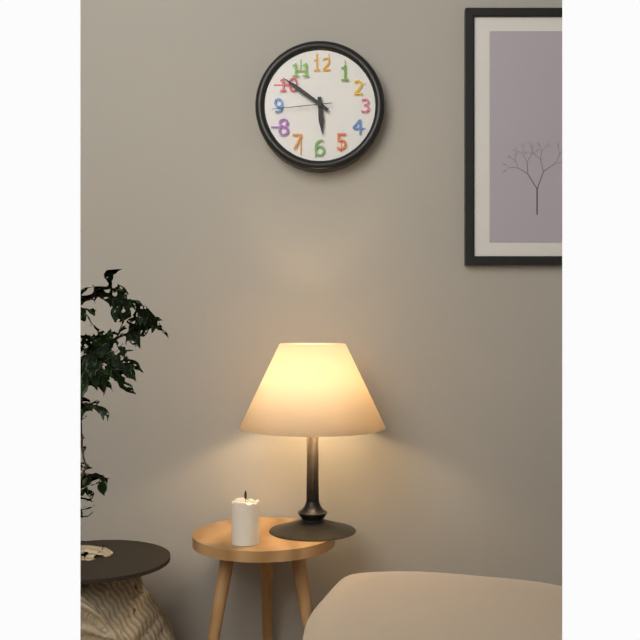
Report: {"hour": 5, "minute": 51, "second": 44}
